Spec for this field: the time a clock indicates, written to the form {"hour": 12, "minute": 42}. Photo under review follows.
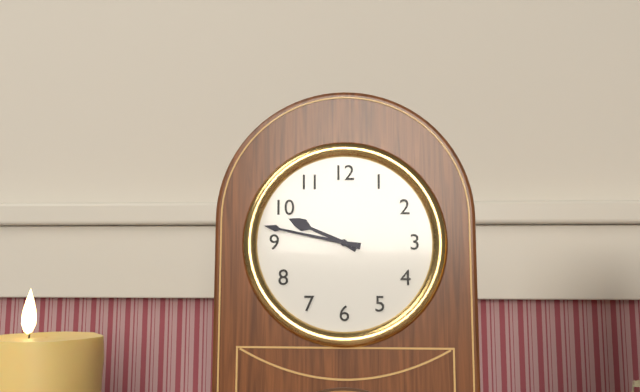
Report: {"hour": 9, "minute": 47}
